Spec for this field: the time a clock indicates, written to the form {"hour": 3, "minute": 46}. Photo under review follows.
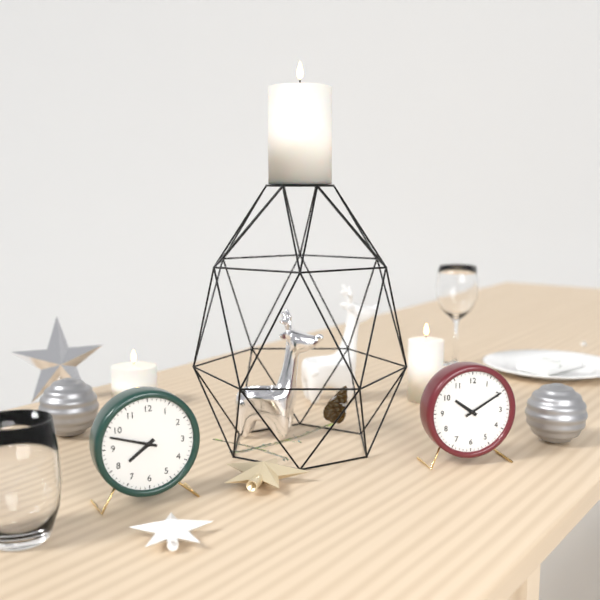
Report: {"hour": 7, "minute": 48}
